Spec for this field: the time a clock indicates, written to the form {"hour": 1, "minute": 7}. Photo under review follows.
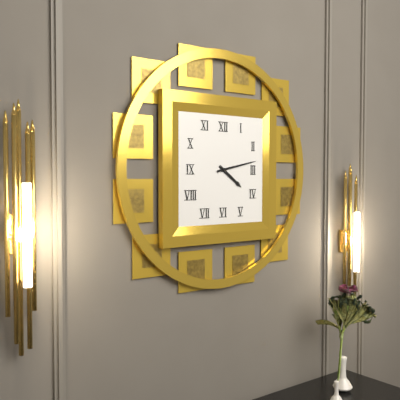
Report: {"hour": 4, "minute": 13}
